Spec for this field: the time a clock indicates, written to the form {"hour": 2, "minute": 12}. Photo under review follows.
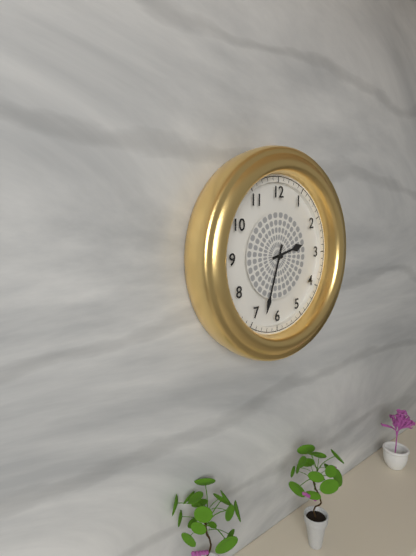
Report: {"hour": 2, "minute": 33}
